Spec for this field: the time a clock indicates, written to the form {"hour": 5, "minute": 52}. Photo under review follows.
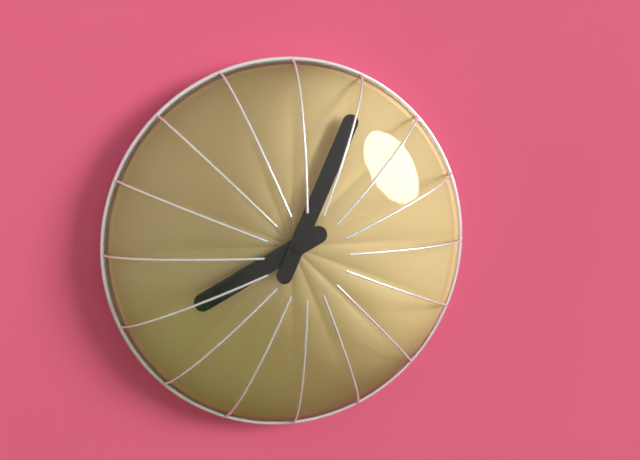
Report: {"hour": 8, "minute": 4}
